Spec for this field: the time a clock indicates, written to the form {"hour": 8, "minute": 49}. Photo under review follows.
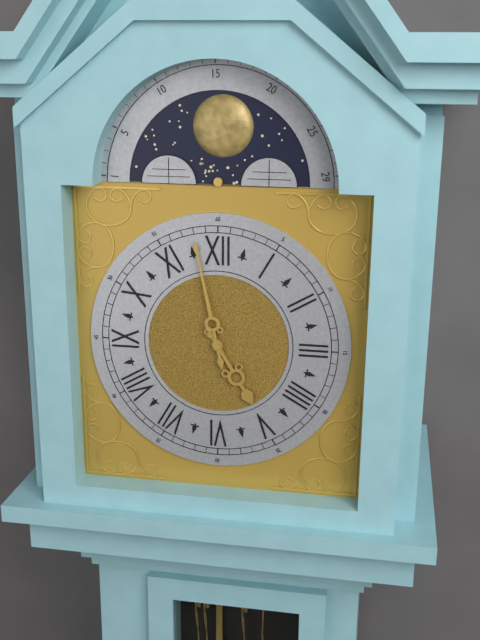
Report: {"hour": 4, "minute": 58}
